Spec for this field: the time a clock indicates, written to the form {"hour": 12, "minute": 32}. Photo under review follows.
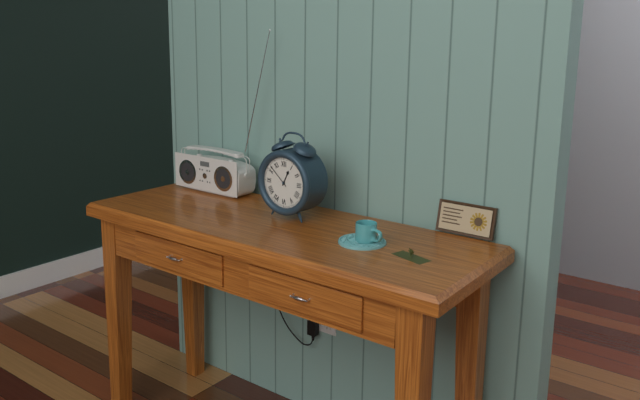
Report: {"hour": 12, "minute": 52}
